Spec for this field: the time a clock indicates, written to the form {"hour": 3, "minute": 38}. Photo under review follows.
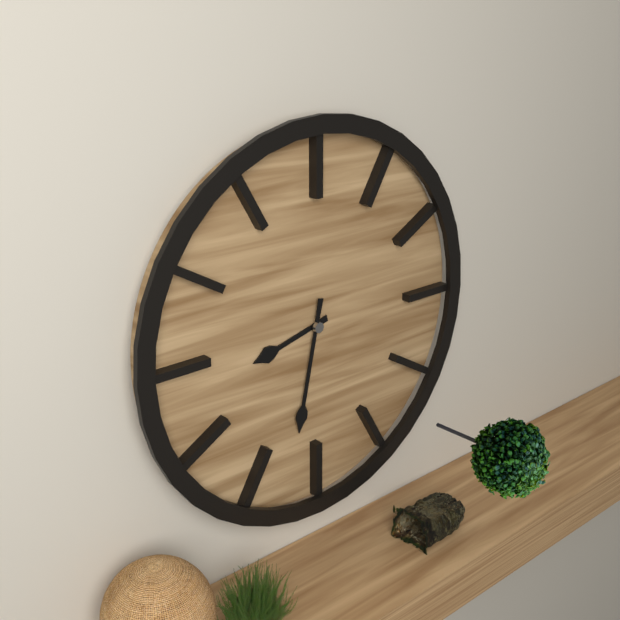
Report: {"hour": 8, "minute": 32}
